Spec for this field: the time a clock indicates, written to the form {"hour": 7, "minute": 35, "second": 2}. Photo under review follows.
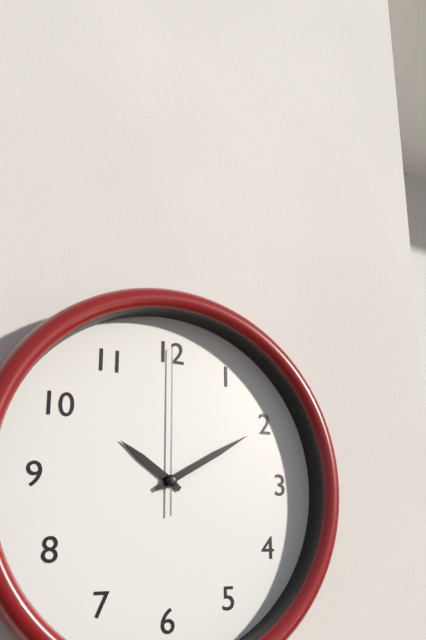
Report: {"hour": 10, "minute": 10, "second": 0}
